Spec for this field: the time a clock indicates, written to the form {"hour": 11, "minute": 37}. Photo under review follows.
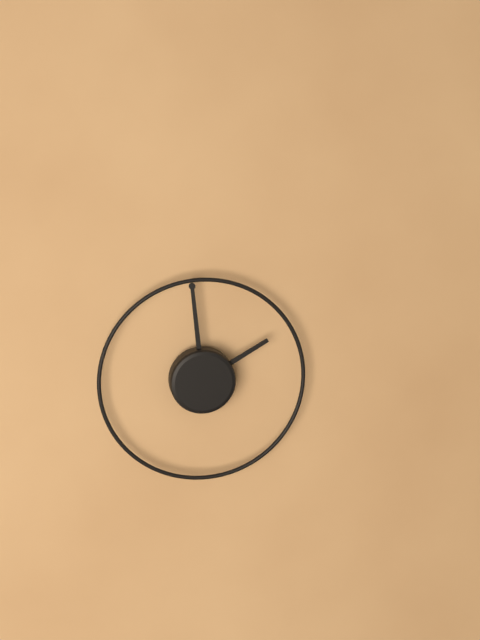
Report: {"hour": 1, "minute": 59}
